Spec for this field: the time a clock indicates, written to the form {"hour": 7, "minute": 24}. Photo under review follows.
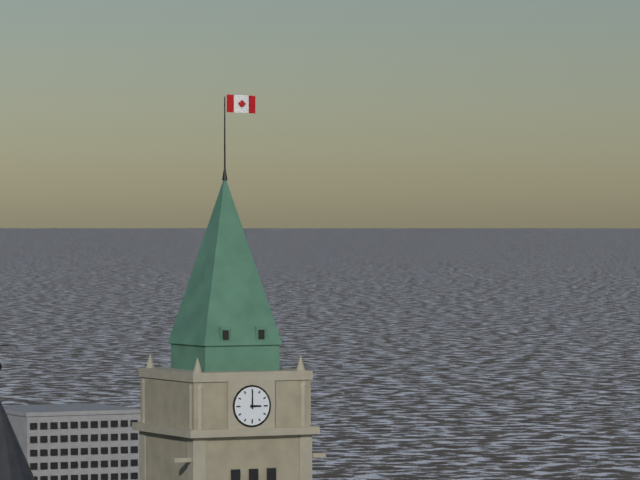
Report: {"hour": 3, "minute": 0}
